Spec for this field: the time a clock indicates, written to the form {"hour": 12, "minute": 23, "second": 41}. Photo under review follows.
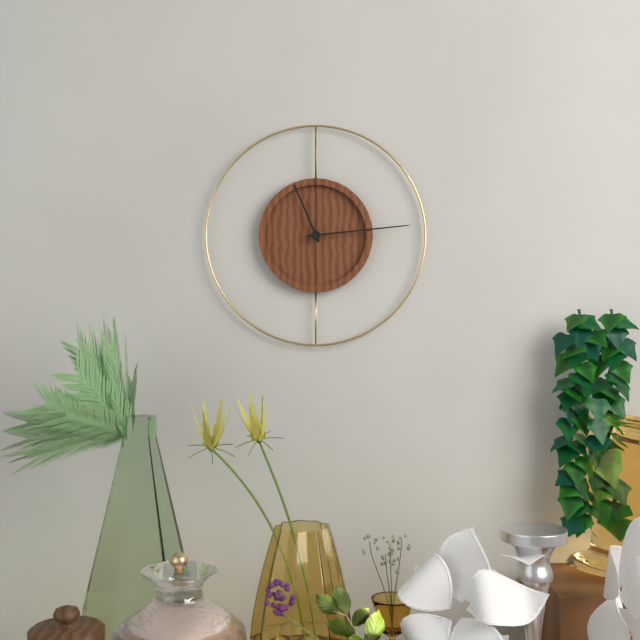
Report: {"hour": 11, "minute": 14, "second": 0}
